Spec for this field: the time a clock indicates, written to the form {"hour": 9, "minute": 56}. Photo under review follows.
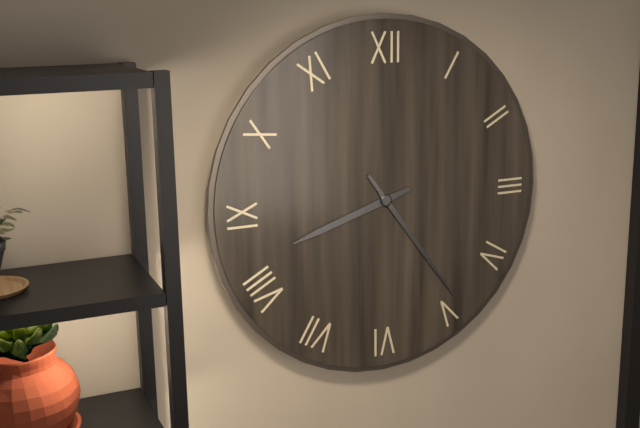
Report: {"hour": 8, "minute": 24}
